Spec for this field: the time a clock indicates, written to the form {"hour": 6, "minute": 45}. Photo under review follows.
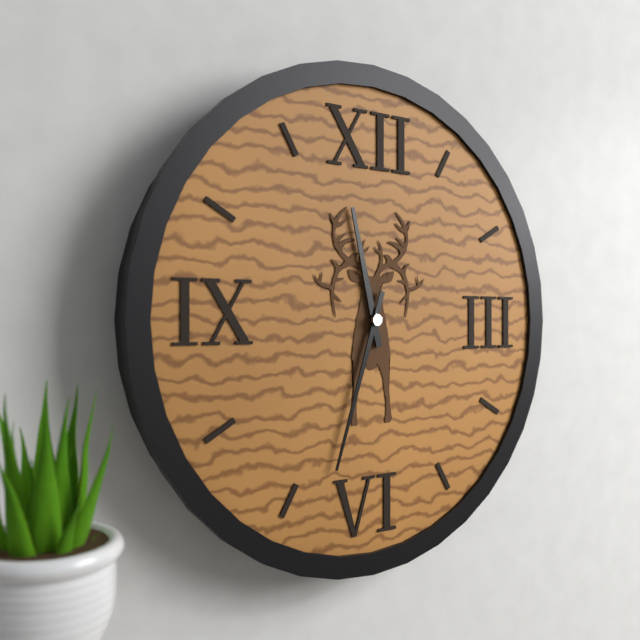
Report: {"hour": 11, "minute": 33}
